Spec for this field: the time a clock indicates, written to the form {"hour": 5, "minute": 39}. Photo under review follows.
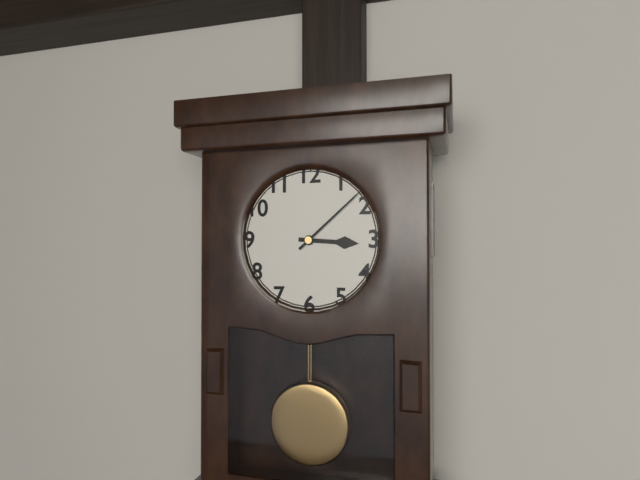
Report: {"hour": 3, "minute": 8}
